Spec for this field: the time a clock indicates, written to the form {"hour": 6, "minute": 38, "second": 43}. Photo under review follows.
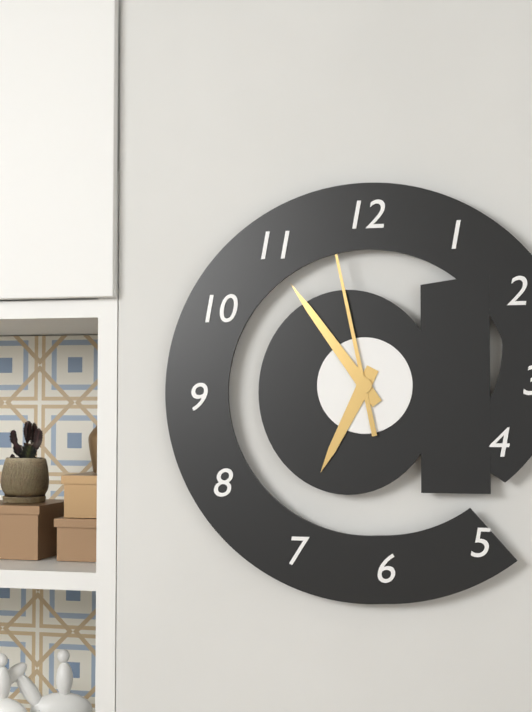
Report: {"hour": 6, "minute": 54, "second": 58}
